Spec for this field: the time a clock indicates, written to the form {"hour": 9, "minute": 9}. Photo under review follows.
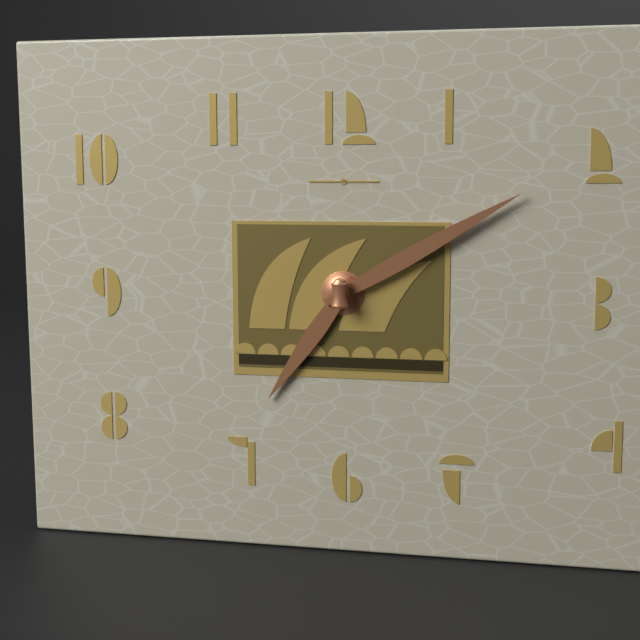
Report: {"hour": 7, "minute": 10}
